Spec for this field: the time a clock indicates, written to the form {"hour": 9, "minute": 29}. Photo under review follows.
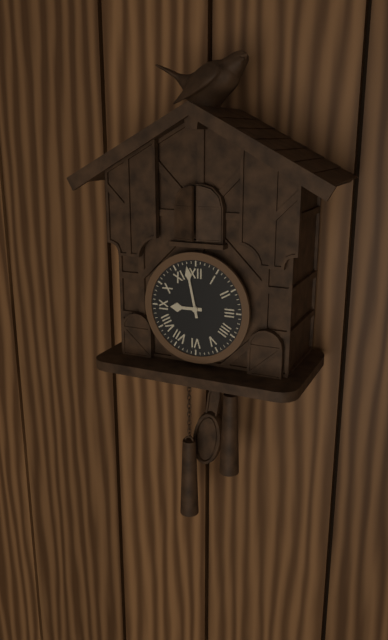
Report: {"hour": 8, "minute": 58}
